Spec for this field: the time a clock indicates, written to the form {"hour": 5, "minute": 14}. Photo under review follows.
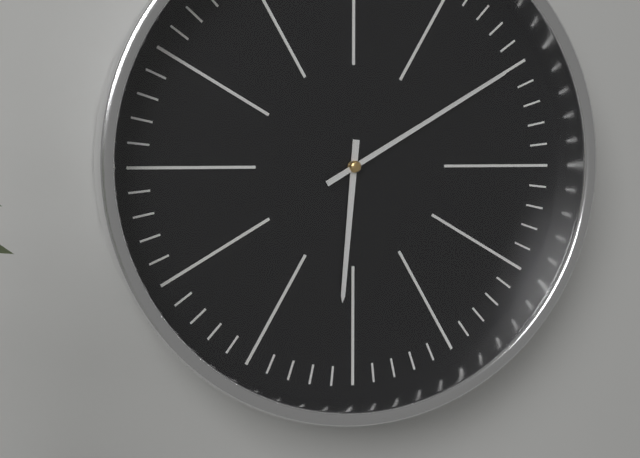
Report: {"hour": 6, "minute": 10}
